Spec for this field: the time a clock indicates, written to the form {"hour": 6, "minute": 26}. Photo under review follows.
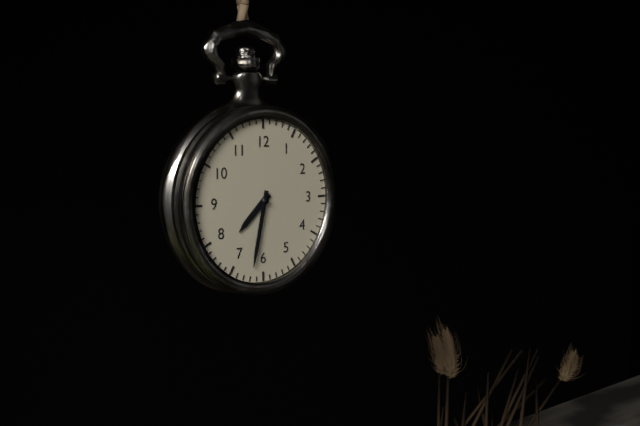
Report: {"hour": 7, "minute": 32}
